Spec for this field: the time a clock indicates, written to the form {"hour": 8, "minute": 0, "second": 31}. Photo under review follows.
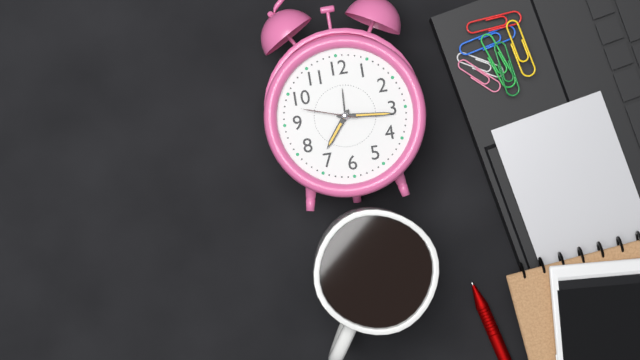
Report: {"hour": 7, "minute": 16, "second": 48}
